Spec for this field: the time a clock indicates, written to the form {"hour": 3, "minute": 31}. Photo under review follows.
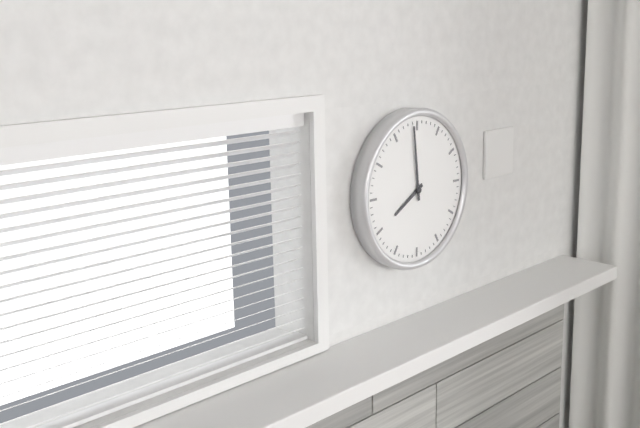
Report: {"hour": 7, "minute": 59}
